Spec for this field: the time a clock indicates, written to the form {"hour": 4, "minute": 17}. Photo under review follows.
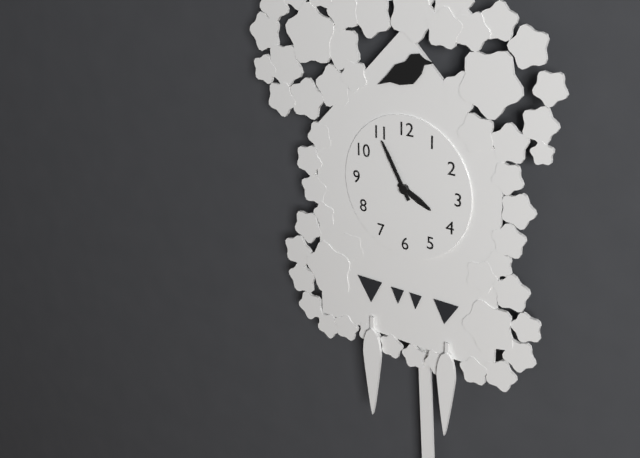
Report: {"hour": 3, "minute": 55}
